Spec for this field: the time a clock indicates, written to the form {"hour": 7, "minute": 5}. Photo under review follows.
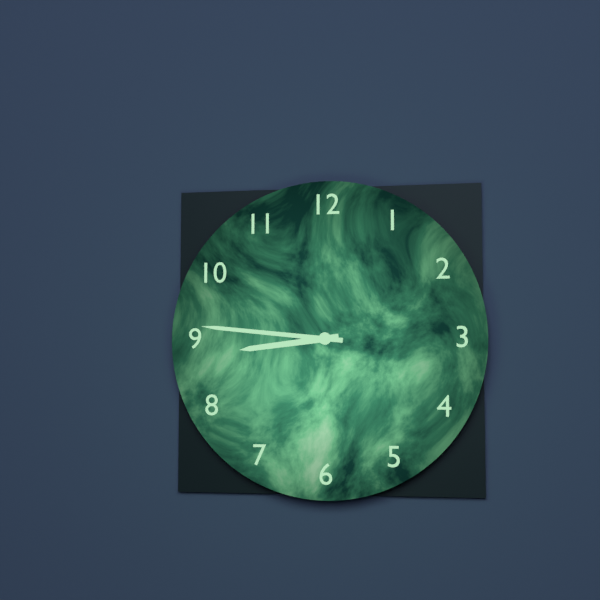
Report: {"hour": 8, "minute": 46}
